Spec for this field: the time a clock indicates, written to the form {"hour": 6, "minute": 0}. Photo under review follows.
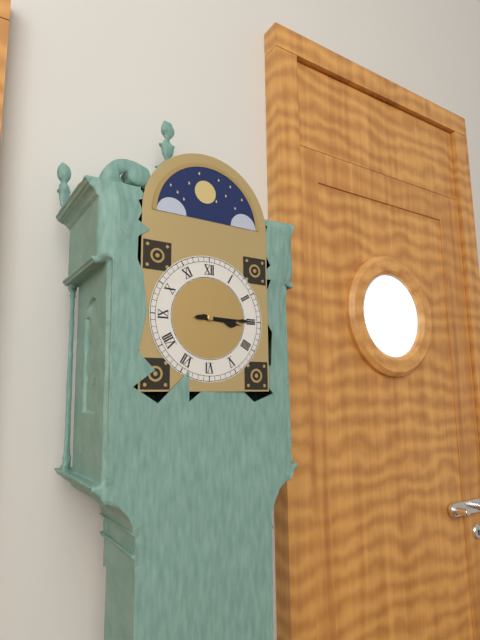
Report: {"hour": 3, "minute": 15}
